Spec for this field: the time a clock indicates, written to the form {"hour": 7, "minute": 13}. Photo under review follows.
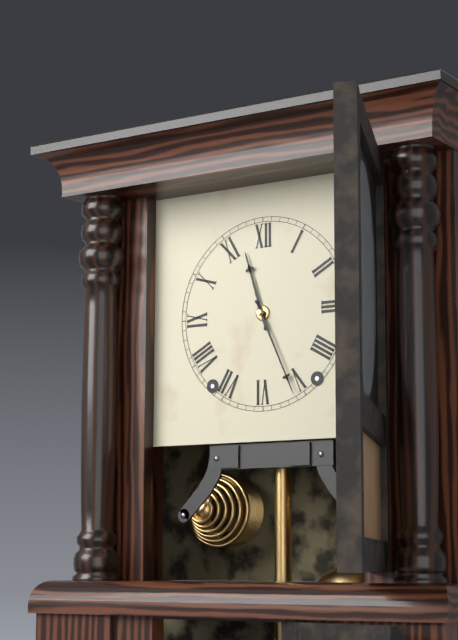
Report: {"hour": 11, "minute": 26}
